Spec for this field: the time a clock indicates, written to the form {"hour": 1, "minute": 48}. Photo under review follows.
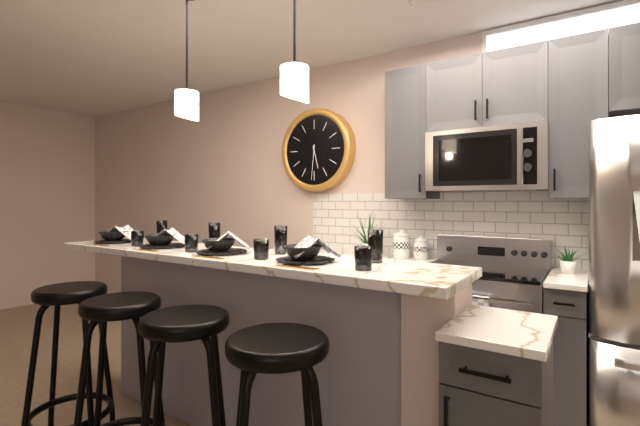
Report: {"hour": 5, "minute": 31}
